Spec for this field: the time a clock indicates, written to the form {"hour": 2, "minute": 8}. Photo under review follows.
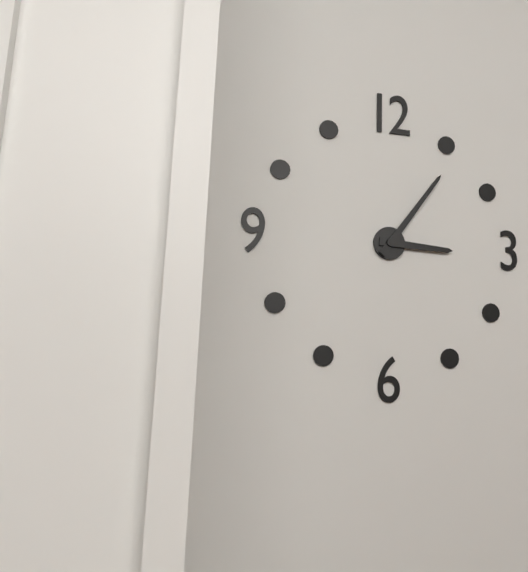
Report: {"hour": 3, "minute": 6}
